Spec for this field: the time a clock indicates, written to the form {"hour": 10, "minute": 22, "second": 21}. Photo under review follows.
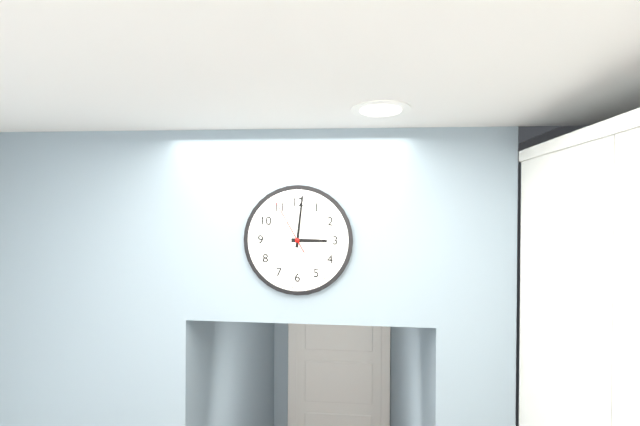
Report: {"hour": 3, "minute": 1, "second": 55}
